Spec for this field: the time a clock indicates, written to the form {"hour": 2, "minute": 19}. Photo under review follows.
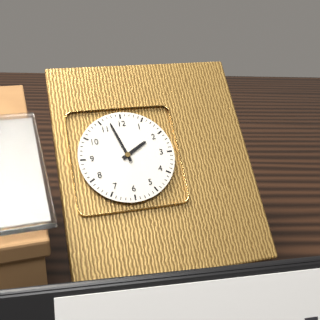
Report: {"hour": 1, "minute": 57}
